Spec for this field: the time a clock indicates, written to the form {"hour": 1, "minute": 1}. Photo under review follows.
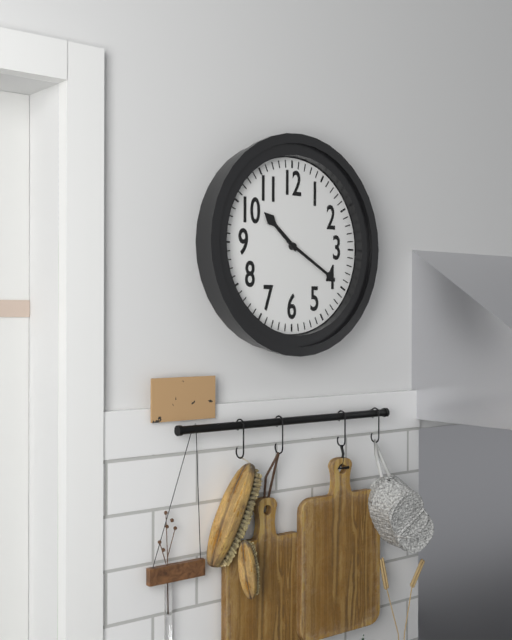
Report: {"hour": 10, "minute": 20}
